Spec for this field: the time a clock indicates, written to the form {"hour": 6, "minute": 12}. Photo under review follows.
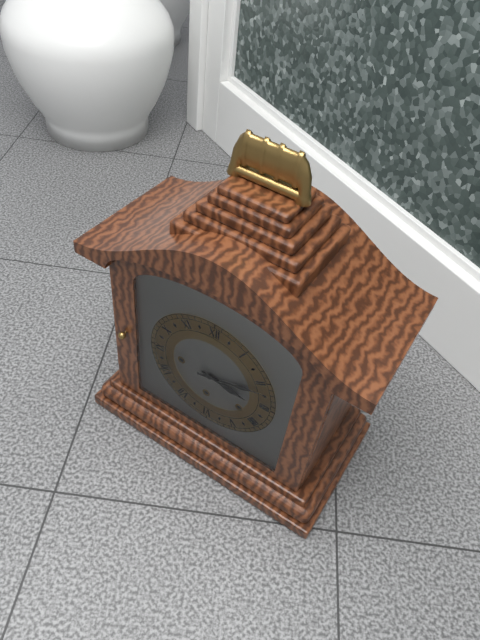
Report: {"hour": 3, "minute": 12}
